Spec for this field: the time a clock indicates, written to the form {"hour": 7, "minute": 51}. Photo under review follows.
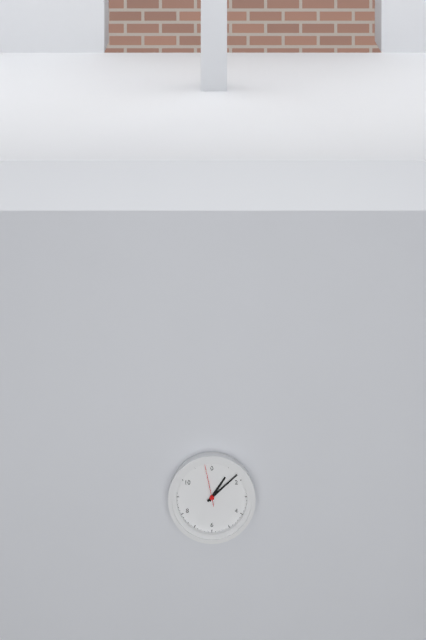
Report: {"hour": 1, "minute": 8}
